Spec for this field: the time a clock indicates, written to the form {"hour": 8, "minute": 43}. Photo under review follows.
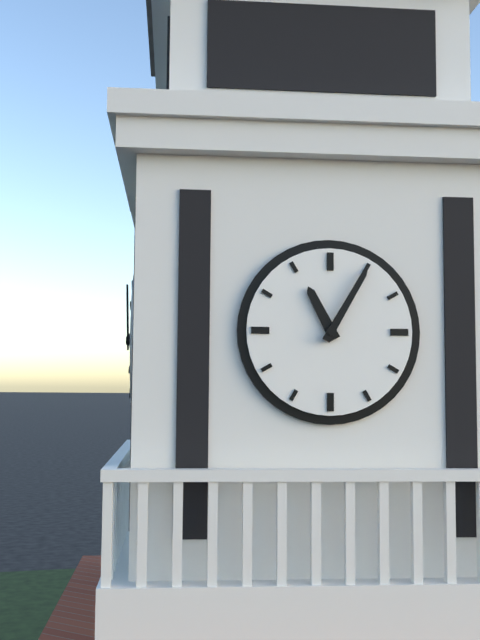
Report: {"hour": 11, "minute": 5}
